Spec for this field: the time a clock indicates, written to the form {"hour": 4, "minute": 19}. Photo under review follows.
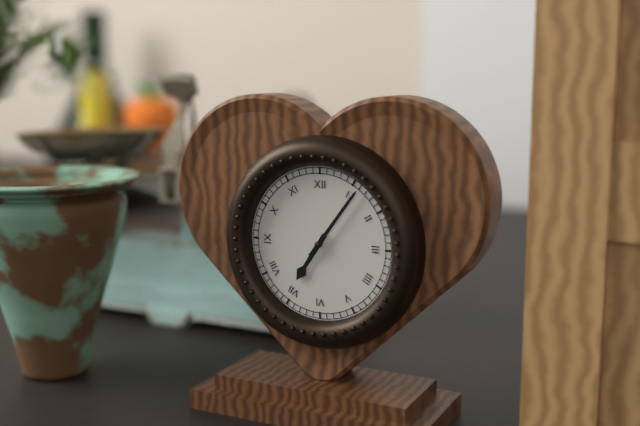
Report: {"hour": 7, "minute": 6}
